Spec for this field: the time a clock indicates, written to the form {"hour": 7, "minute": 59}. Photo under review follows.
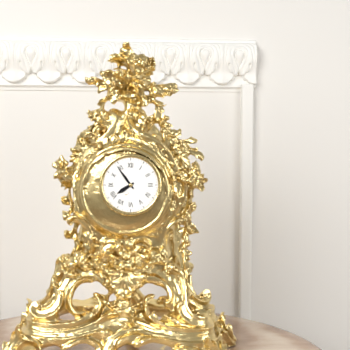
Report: {"hour": 7, "minute": 54}
